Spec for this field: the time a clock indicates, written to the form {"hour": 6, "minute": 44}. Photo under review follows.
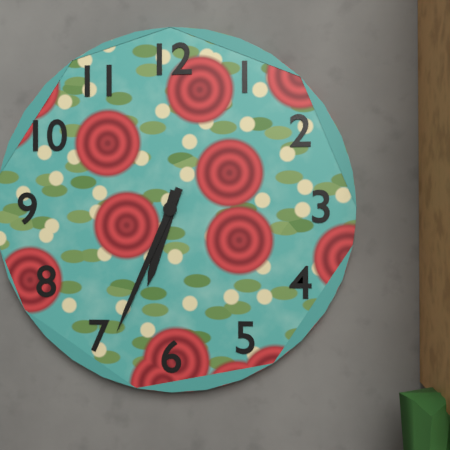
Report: {"hour": 6, "minute": 34}
